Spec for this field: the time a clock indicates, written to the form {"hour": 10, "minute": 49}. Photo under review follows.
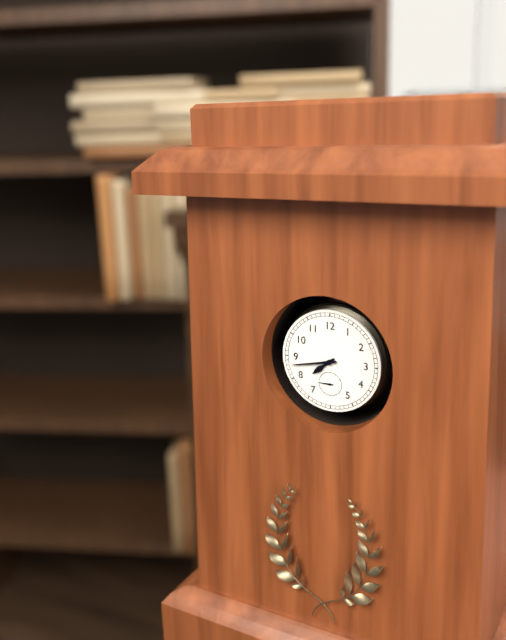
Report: {"hour": 7, "minute": 43}
